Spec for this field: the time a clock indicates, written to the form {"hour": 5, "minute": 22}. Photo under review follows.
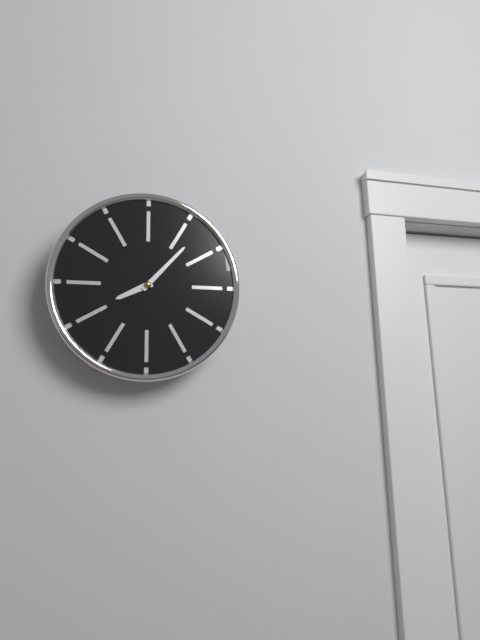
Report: {"hour": 8, "minute": 7}
